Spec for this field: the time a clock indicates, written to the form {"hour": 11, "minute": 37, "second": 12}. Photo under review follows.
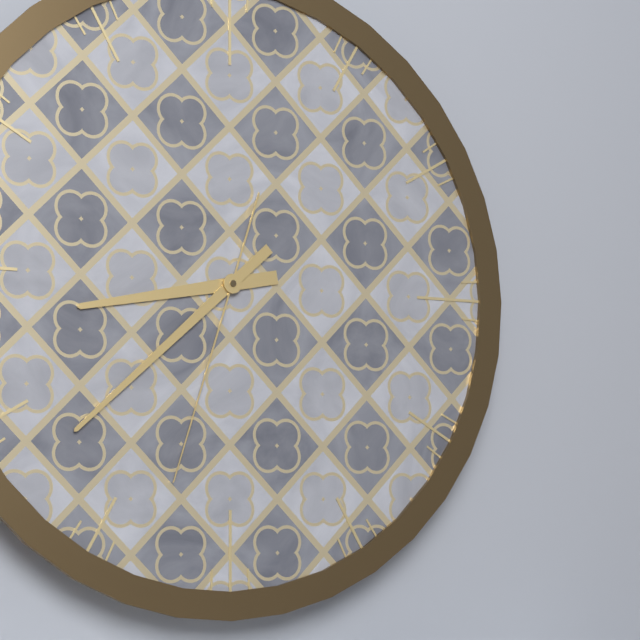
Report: {"hour": 8, "minute": 38, "second": 33}
